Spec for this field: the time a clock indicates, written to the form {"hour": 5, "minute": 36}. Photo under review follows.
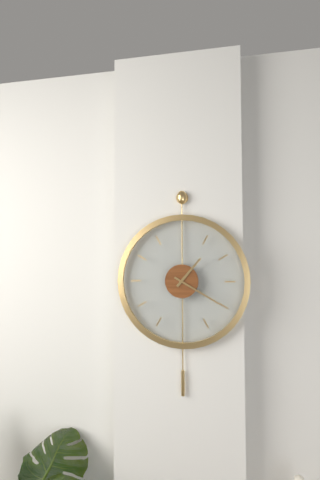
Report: {"hour": 1, "minute": 20}
